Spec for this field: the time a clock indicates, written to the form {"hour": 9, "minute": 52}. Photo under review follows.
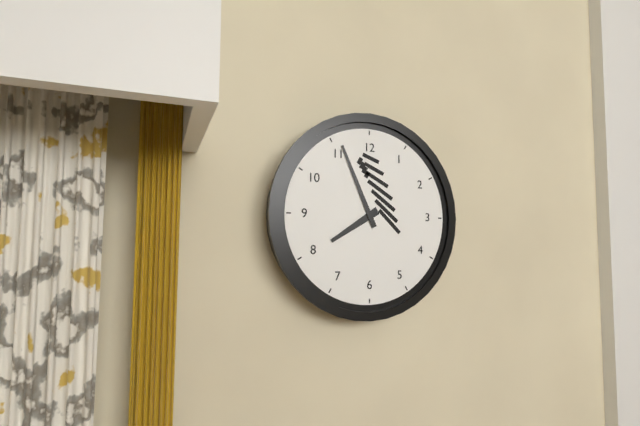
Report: {"hour": 7, "minute": 56}
